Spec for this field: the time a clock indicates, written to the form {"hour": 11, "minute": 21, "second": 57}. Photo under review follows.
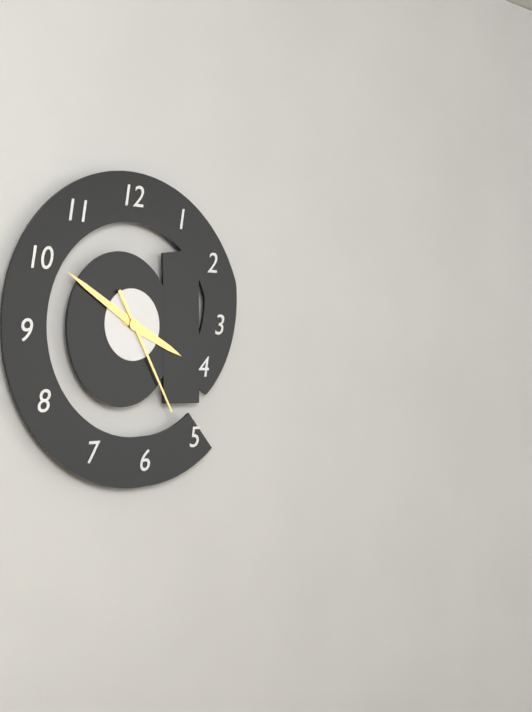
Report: {"hour": 3, "minute": 50, "second": 25}
